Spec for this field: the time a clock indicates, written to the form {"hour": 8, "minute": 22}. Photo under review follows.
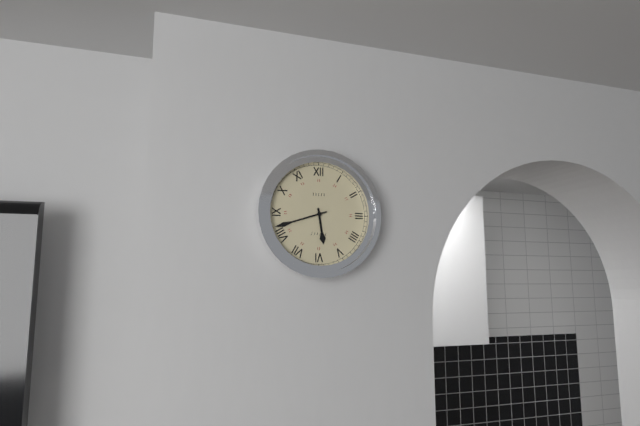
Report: {"hour": 5, "minute": 42}
